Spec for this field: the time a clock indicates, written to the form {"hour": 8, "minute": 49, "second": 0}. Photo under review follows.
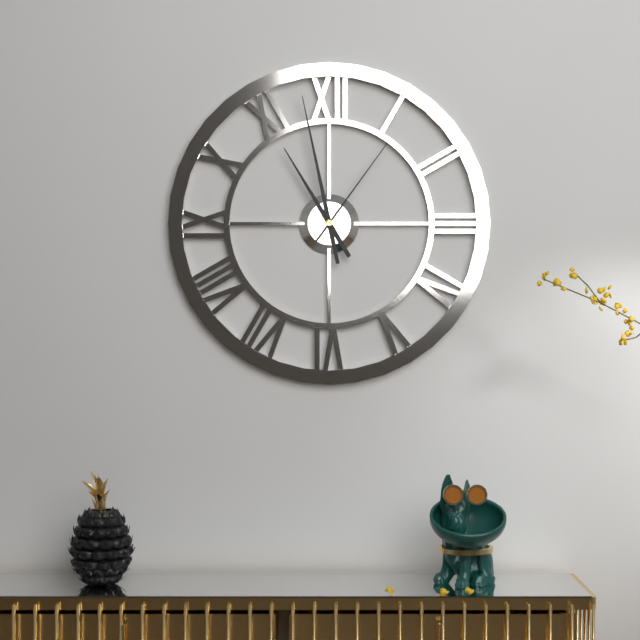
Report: {"hour": 10, "minute": 58, "second": 6}
